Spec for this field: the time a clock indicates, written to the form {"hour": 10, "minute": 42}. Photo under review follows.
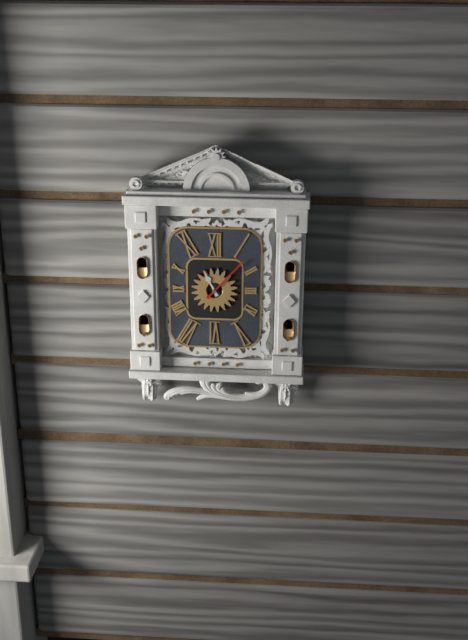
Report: {"hour": 11, "minute": 7}
